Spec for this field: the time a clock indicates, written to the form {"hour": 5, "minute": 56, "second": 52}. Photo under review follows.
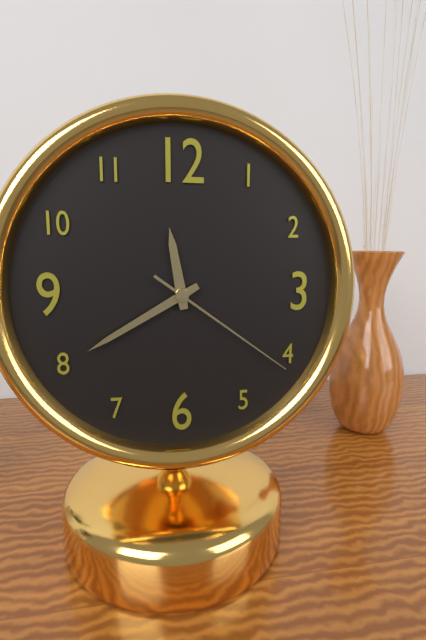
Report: {"hour": 11, "minute": 40, "second": 21}
